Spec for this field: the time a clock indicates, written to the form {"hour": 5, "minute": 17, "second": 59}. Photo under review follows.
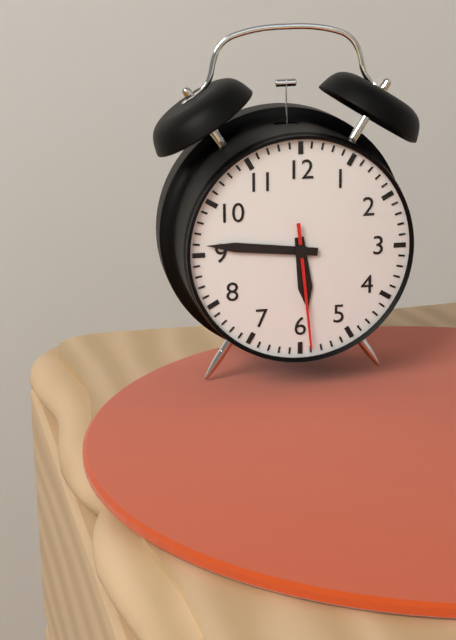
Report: {"hour": 5, "minute": 46, "second": 29}
